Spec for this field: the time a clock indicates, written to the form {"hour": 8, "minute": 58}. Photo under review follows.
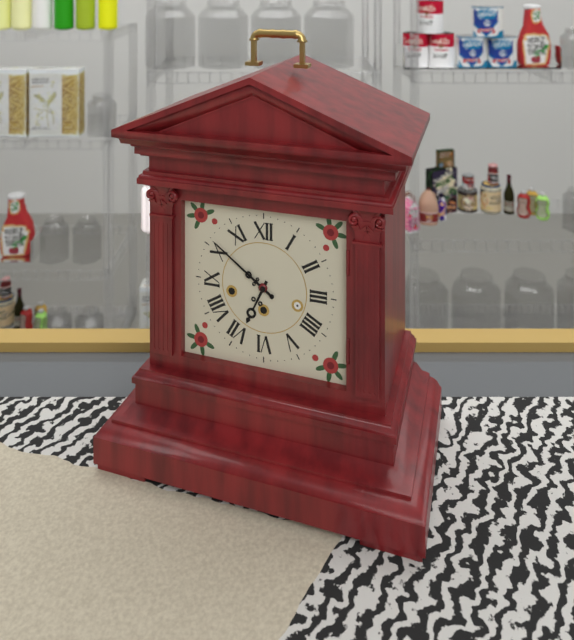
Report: {"hour": 6, "minute": 51}
